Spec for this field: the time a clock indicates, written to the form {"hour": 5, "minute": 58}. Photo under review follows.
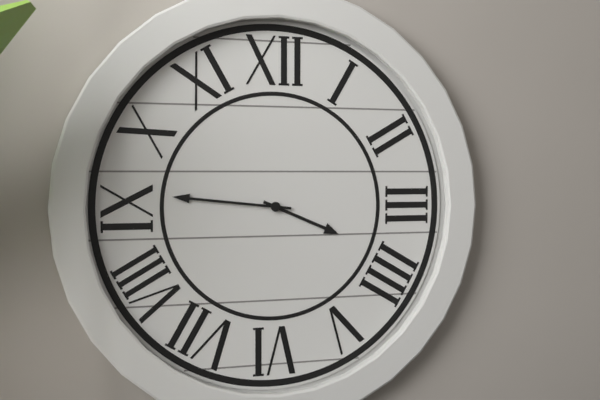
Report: {"hour": 3, "minute": 46}
